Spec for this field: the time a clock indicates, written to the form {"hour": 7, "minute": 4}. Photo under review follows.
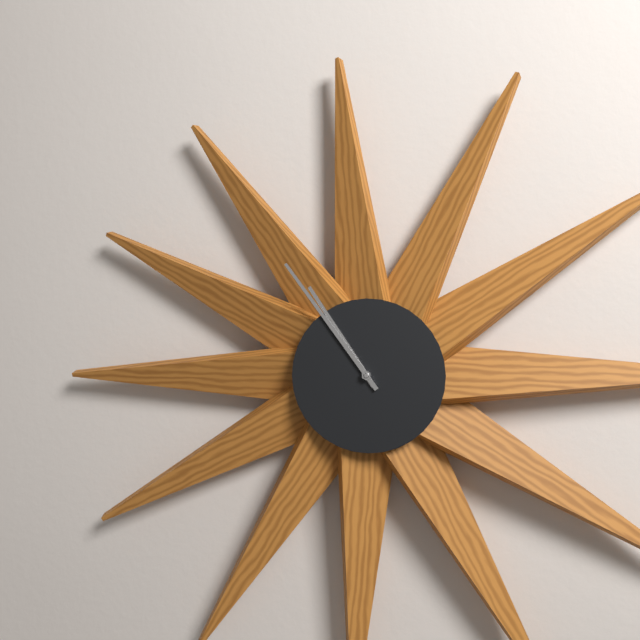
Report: {"hour": 10, "minute": 54}
